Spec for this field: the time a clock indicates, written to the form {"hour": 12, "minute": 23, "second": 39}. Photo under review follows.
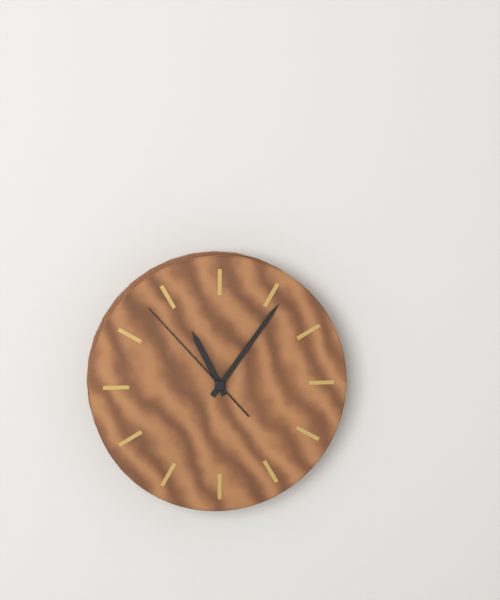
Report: {"hour": 11, "minute": 6, "second": 53}
